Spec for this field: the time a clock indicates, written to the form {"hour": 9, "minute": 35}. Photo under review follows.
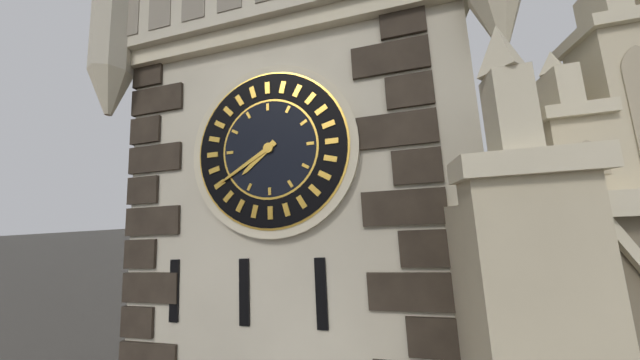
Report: {"hour": 7, "minute": 40}
